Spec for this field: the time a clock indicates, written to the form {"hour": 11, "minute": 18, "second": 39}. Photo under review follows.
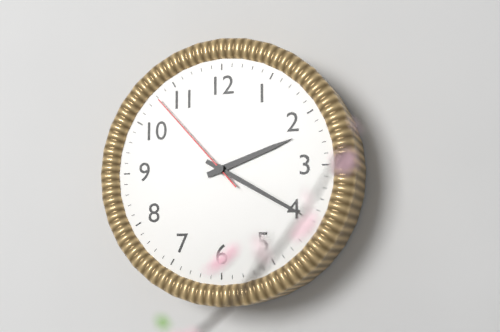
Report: {"hour": 2, "minute": 20, "second": 53}
